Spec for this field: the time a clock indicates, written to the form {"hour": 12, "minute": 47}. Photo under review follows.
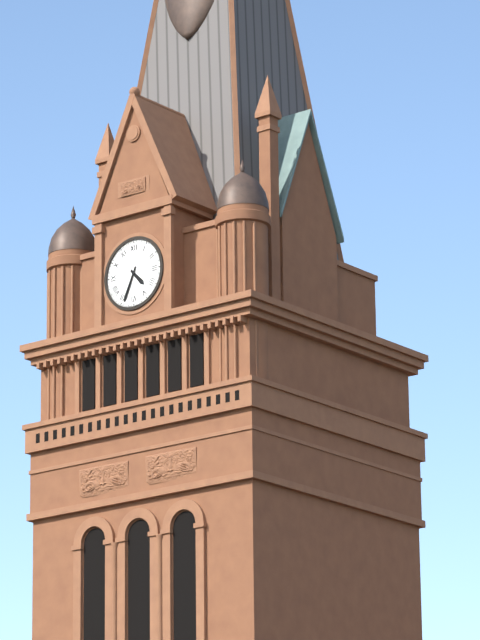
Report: {"hour": 4, "minute": 34}
